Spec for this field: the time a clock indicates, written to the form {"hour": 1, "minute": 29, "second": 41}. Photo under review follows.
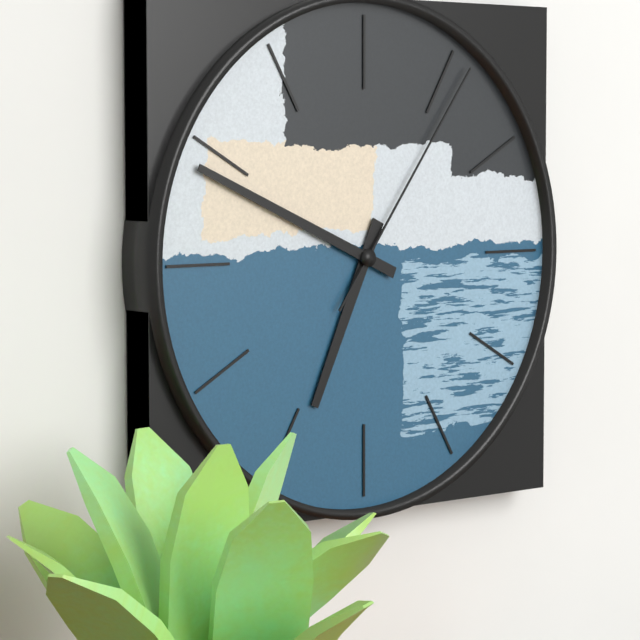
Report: {"hour": 6, "minute": 49, "second": 6}
